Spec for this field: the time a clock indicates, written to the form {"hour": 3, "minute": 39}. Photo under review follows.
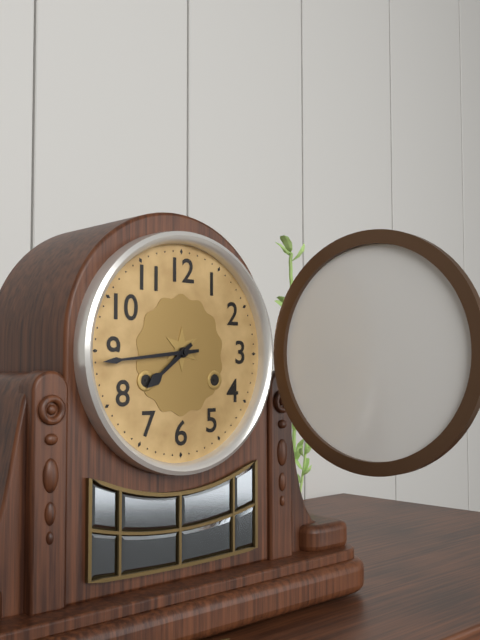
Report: {"hour": 7, "minute": 44}
